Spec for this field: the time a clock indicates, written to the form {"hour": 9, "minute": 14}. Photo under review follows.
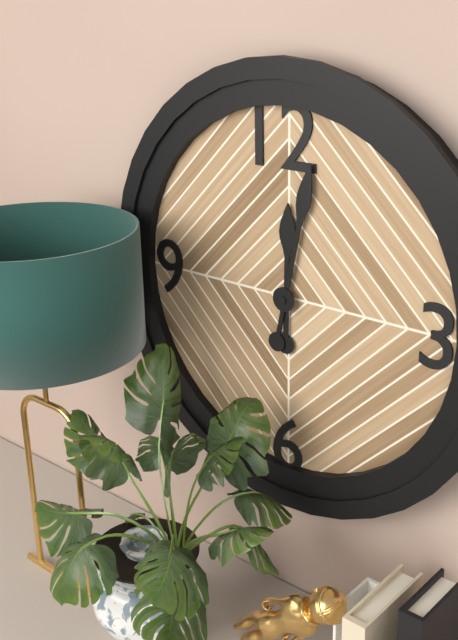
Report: {"hour": 12, "minute": 2}
